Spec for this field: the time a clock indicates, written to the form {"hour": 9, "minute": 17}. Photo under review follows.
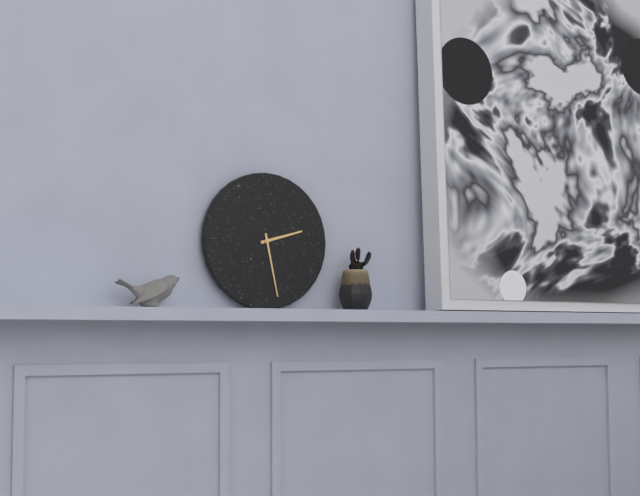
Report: {"hour": 2, "minute": 28}
